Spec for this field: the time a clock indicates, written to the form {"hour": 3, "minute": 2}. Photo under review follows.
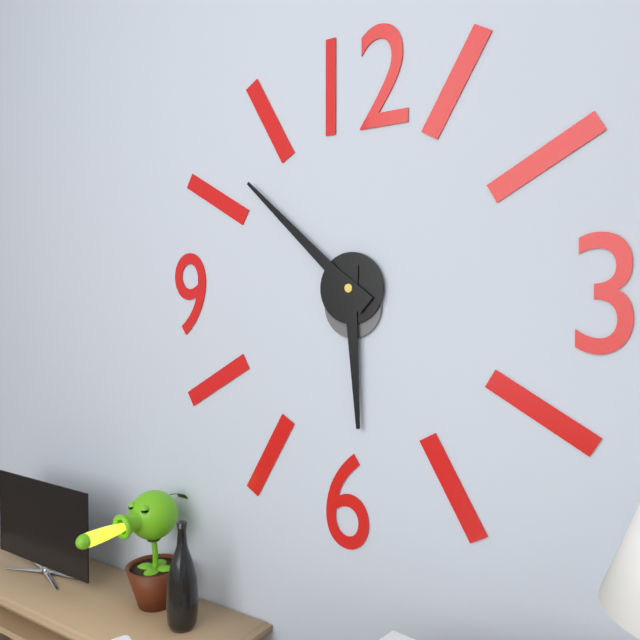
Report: {"hour": 5, "minute": 52}
